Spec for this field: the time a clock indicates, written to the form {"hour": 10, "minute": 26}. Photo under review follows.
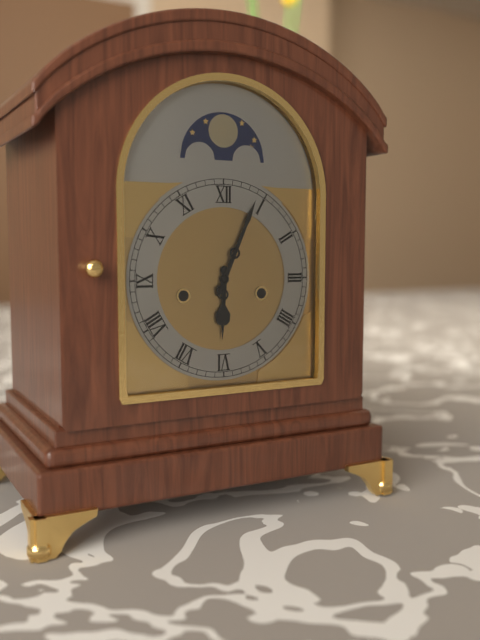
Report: {"hour": 6, "minute": 4}
